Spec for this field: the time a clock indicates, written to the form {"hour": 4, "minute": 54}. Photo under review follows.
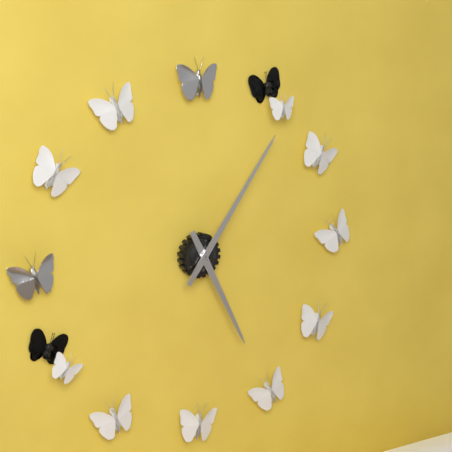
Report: {"hour": 5, "minute": 6}
